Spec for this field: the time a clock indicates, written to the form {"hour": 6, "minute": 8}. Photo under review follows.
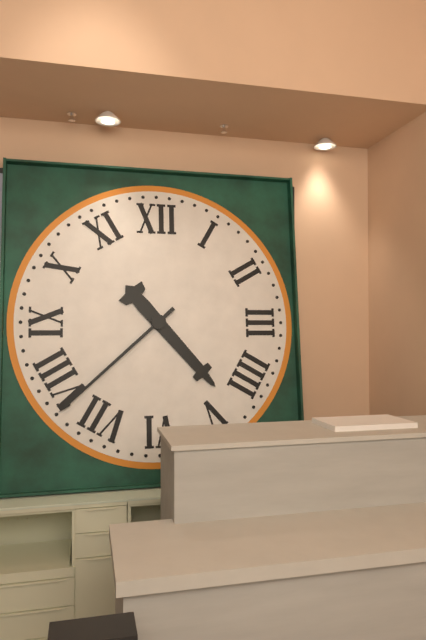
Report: {"hour": 4, "minute": 38}
